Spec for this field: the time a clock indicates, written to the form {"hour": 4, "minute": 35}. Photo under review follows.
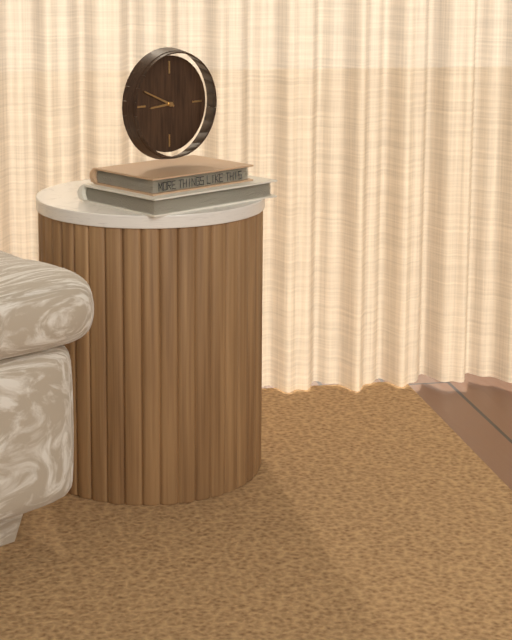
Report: {"hour": 8, "minute": 49}
